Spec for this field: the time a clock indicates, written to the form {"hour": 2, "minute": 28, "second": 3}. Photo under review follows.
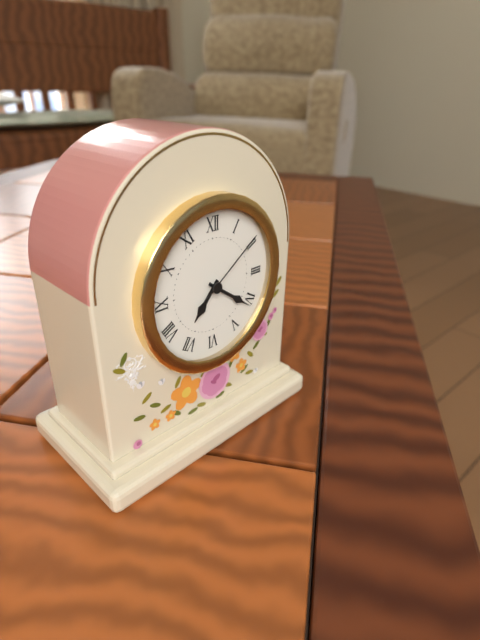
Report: {"hour": 7, "minute": 21, "second": 9}
